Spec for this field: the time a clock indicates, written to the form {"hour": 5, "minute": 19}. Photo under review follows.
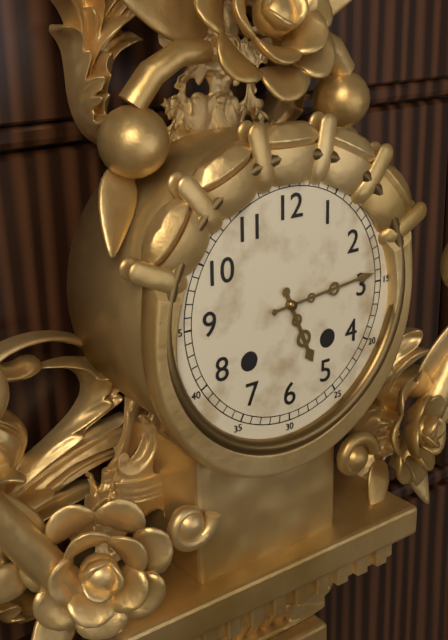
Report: {"hour": 5, "minute": 14}
